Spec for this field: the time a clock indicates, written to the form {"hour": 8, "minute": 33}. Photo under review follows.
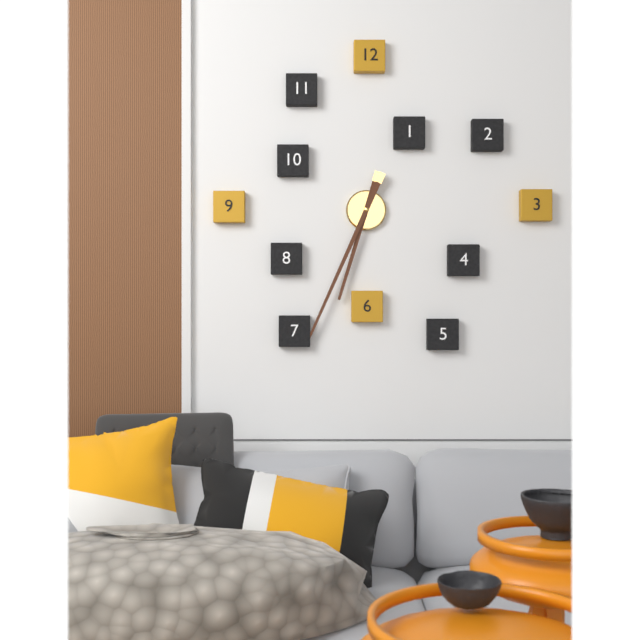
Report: {"hour": 6, "minute": 34}
